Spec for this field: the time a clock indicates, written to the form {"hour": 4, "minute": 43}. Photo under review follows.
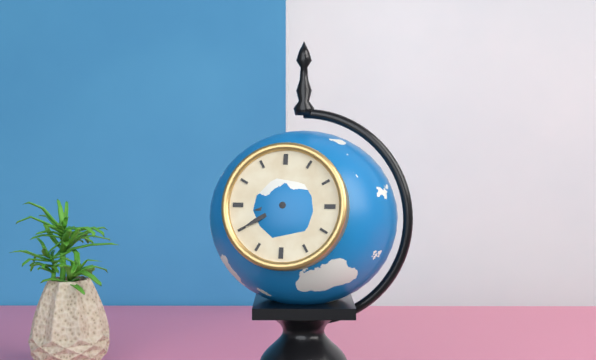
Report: {"hour": 8, "minute": 40}
